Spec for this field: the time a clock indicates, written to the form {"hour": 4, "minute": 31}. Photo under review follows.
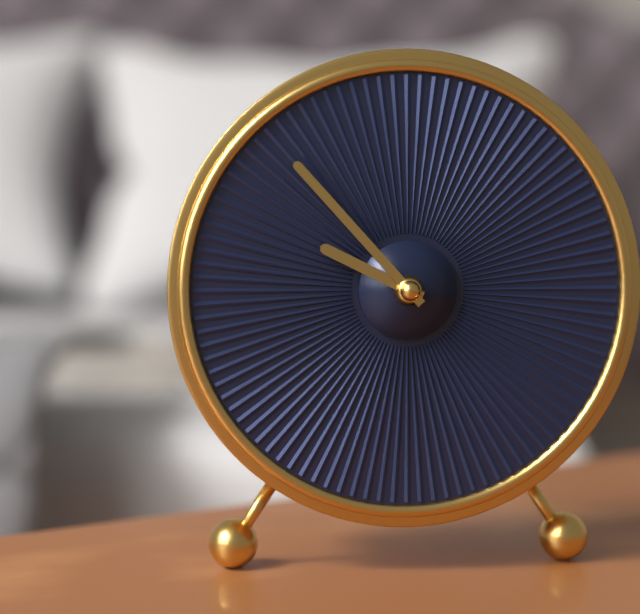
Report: {"hour": 9, "minute": 53}
